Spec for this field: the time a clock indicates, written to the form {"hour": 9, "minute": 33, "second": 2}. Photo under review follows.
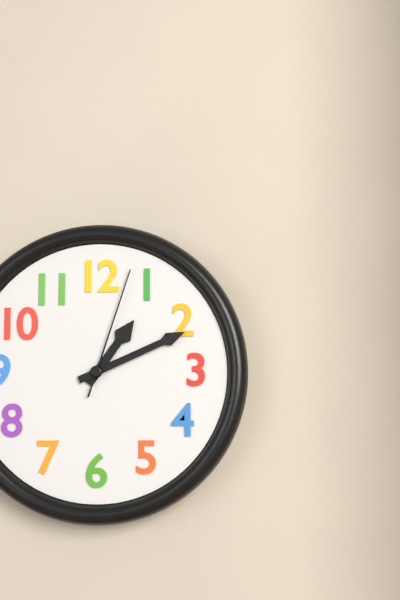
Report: {"hour": 1, "minute": 11, "second": 3}
